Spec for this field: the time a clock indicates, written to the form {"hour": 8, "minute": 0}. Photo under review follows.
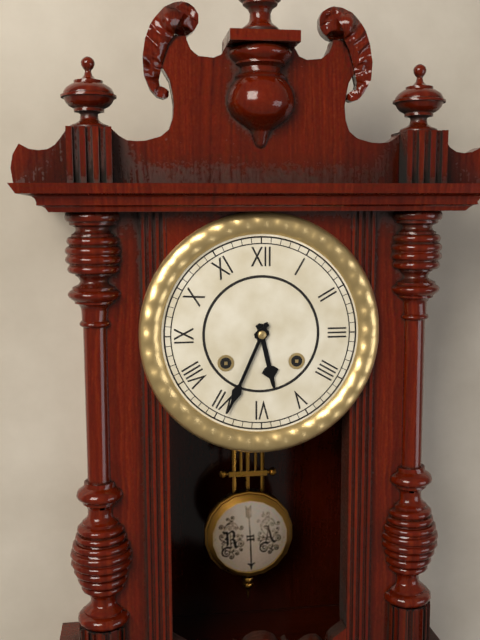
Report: {"hour": 5, "minute": 34}
